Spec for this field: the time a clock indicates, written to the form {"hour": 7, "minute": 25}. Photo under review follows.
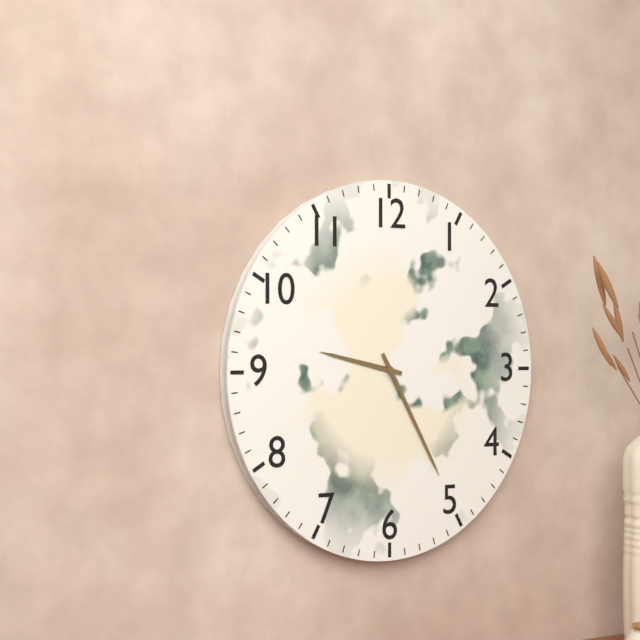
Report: {"hour": 9, "minute": 25}
